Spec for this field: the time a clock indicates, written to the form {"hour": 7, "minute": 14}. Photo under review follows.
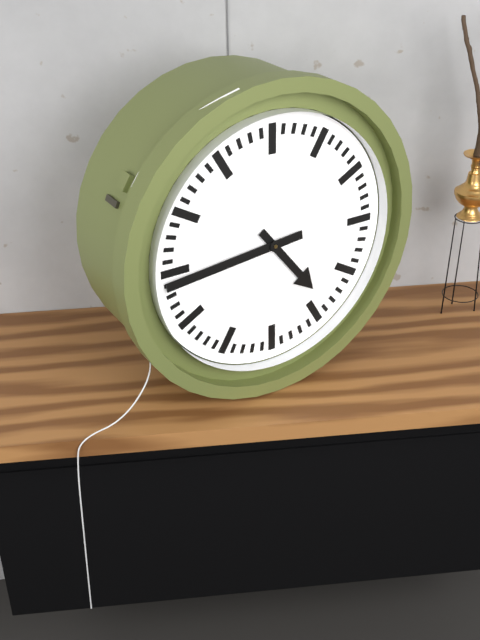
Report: {"hour": 4, "minute": 44}
